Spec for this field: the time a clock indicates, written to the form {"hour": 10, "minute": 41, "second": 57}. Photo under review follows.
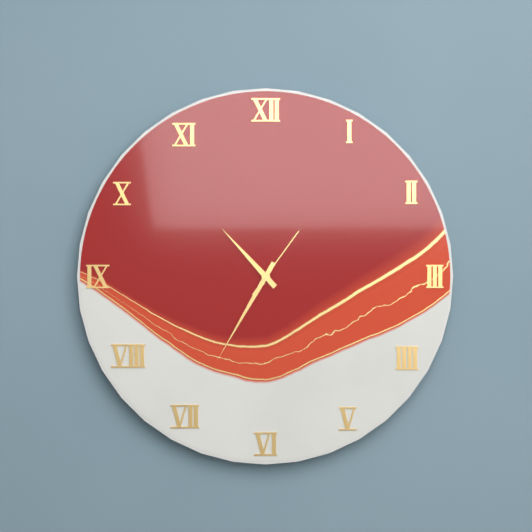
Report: {"hour": 10, "minute": 35, "second": 6}
